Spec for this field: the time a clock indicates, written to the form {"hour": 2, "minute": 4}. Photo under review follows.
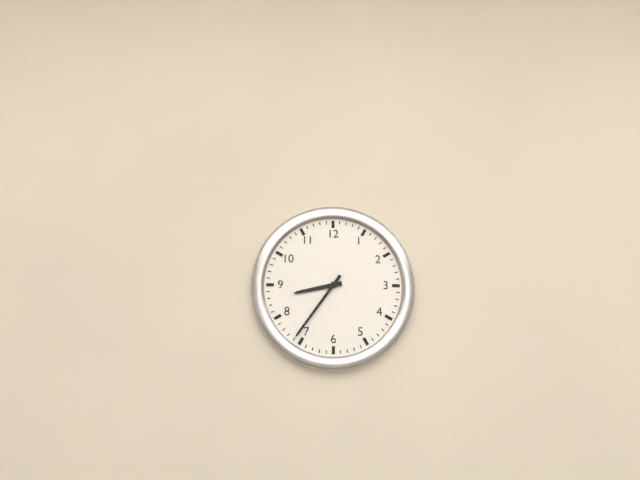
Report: {"hour": 8, "minute": 36}
